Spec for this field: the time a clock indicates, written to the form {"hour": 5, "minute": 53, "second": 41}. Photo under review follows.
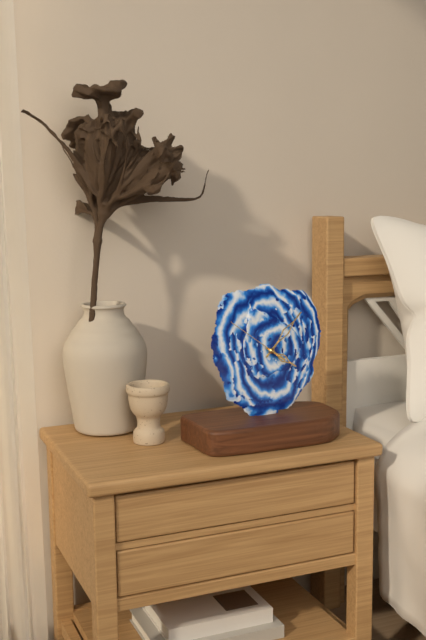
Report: {"hour": 4, "minute": 7, "second": 51}
